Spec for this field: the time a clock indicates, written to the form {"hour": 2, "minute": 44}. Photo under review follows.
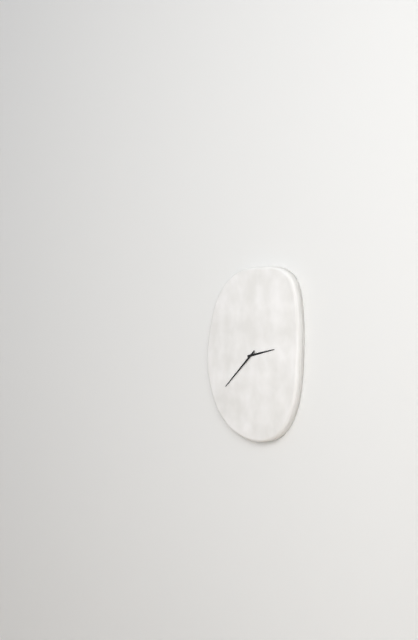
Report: {"hour": 2, "minute": 38}
